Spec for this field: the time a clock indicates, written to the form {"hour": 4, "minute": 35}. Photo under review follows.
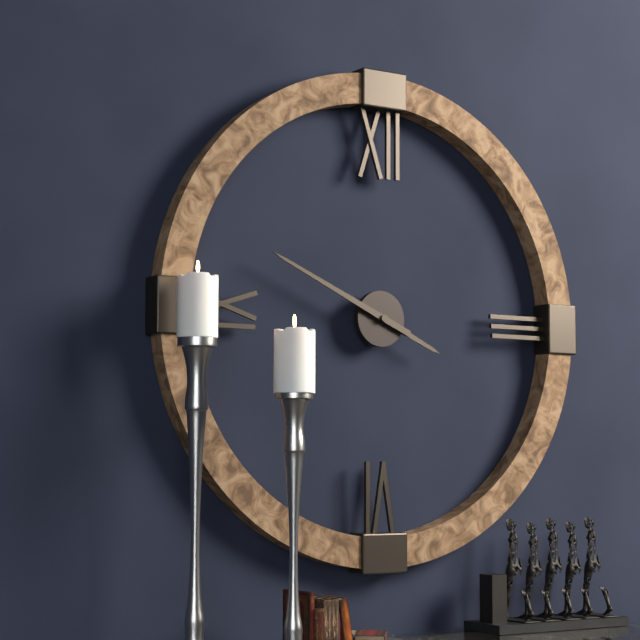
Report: {"hour": 3, "minute": 49}
